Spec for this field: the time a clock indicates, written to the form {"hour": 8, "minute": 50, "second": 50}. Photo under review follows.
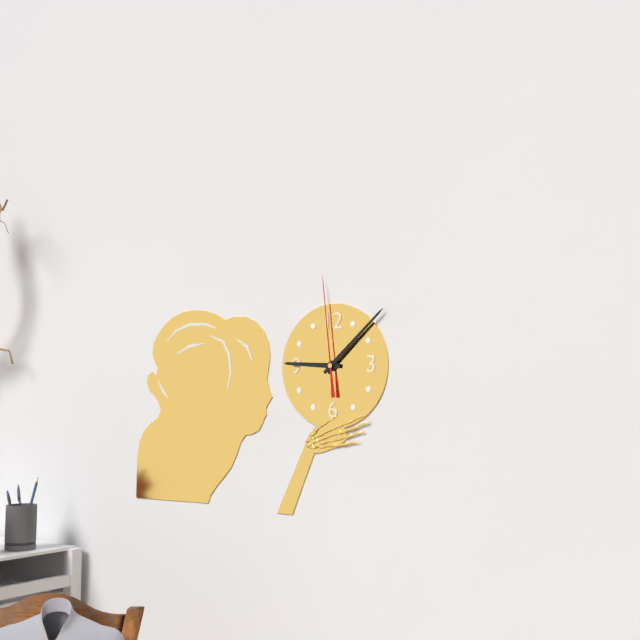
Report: {"hour": 9, "minute": 8, "second": 59}
